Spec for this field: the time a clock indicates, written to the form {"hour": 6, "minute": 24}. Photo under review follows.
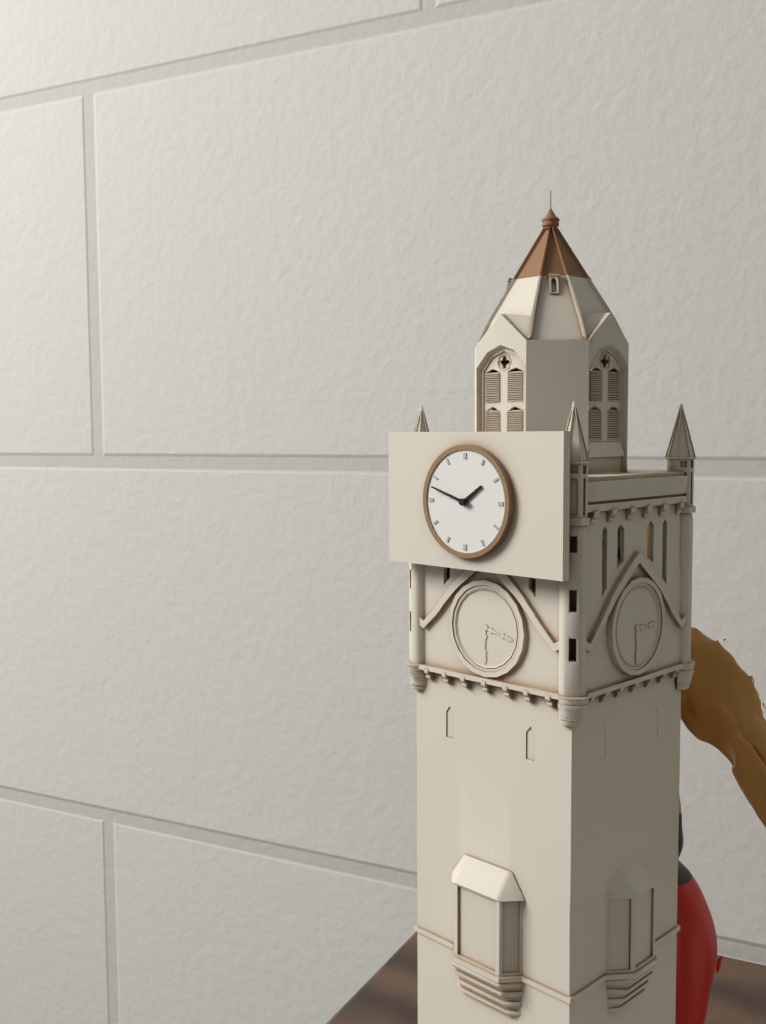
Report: {"hour": 1, "minute": 48}
